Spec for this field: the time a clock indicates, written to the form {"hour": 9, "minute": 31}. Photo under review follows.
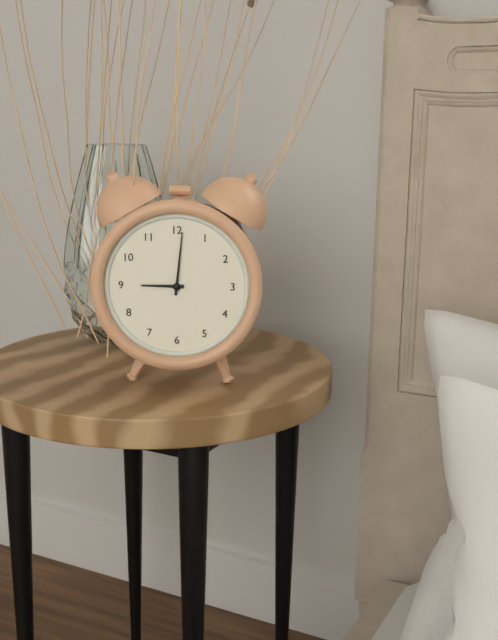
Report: {"hour": 9, "minute": 1}
